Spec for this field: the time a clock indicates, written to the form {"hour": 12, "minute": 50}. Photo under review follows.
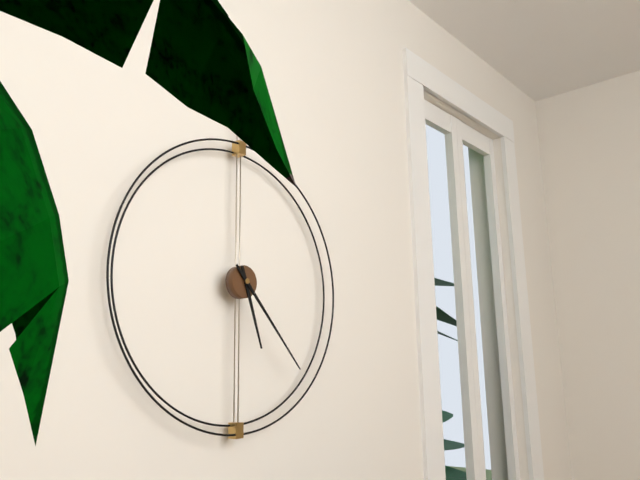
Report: {"hour": 5, "minute": 23}
